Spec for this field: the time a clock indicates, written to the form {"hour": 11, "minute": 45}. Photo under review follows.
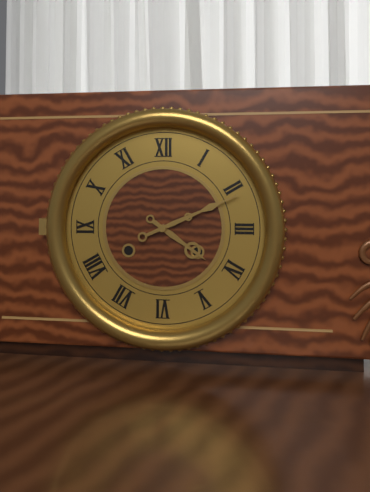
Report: {"hour": 4, "minute": 11}
